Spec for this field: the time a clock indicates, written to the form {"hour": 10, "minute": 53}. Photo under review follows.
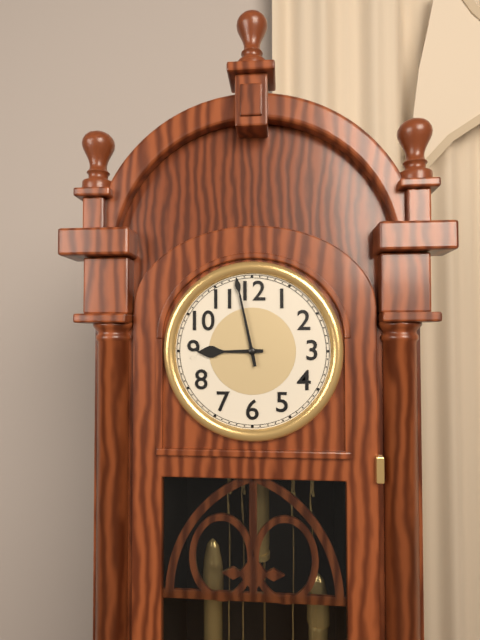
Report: {"hour": 8, "minute": 58}
